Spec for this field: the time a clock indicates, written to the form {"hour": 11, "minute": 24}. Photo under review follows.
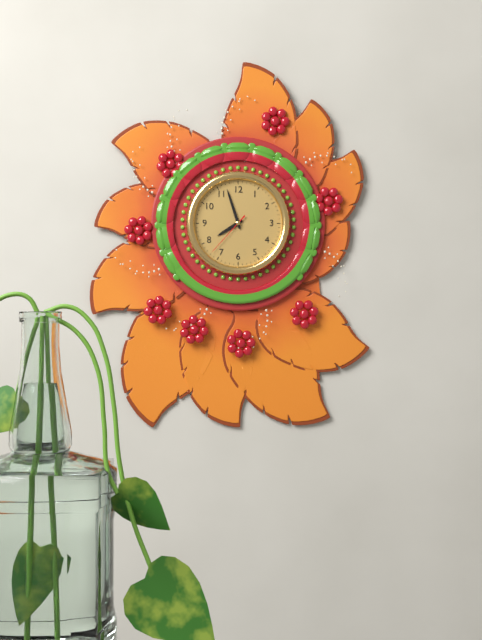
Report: {"hour": 7, "minute": 57}
